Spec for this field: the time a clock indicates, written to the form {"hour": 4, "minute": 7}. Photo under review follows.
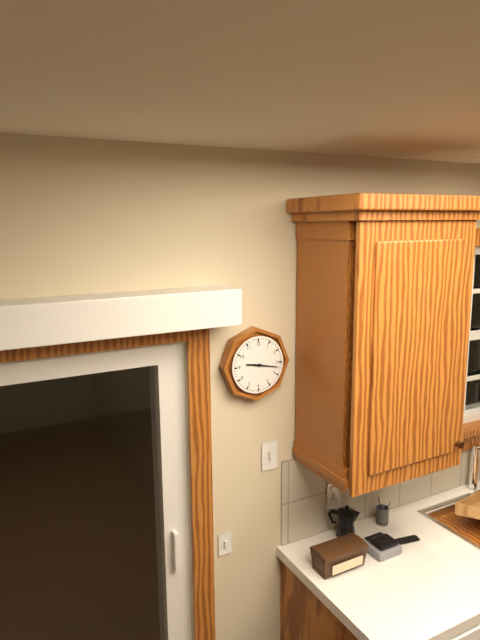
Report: {"hour": 9, "minute": 17}
